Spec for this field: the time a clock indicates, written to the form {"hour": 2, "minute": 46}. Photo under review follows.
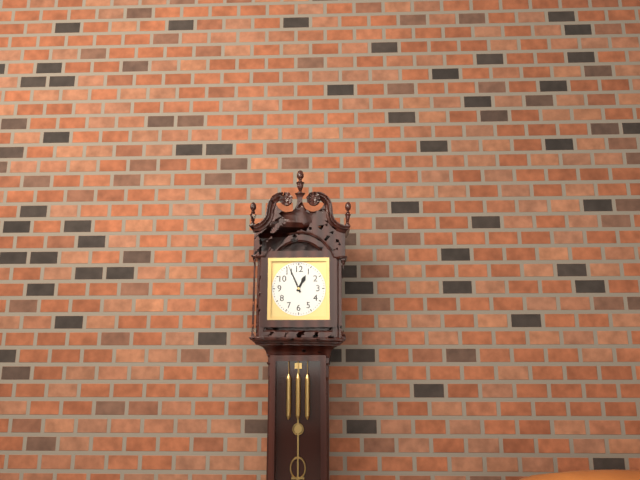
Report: {"hour": 12, "minute": 56}
